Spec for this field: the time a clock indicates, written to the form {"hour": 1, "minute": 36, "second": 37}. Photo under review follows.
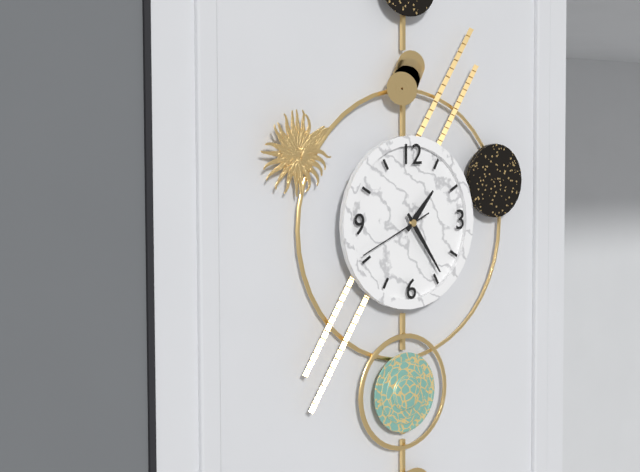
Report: {"hour": 1, "minute": 24, "second": 41}
